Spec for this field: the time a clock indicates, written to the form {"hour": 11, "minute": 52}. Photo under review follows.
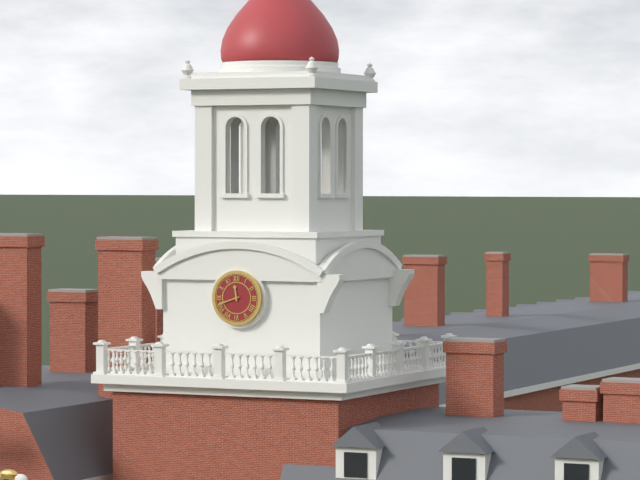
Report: {"hour": 11, "minute": 42}
